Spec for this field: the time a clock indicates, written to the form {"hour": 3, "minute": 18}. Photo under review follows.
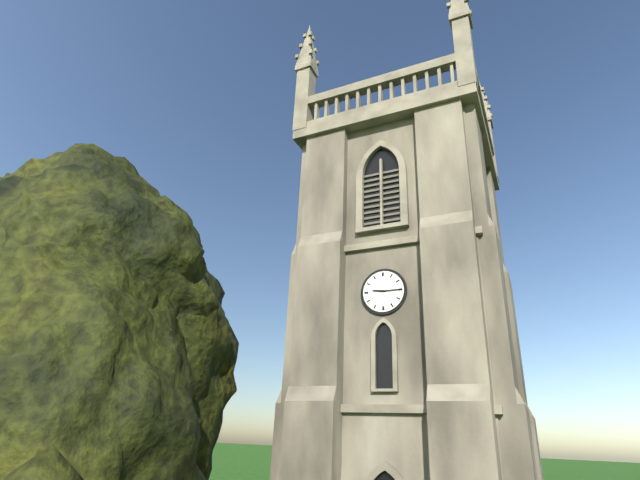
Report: {"hour": 9, "minute": 15}
